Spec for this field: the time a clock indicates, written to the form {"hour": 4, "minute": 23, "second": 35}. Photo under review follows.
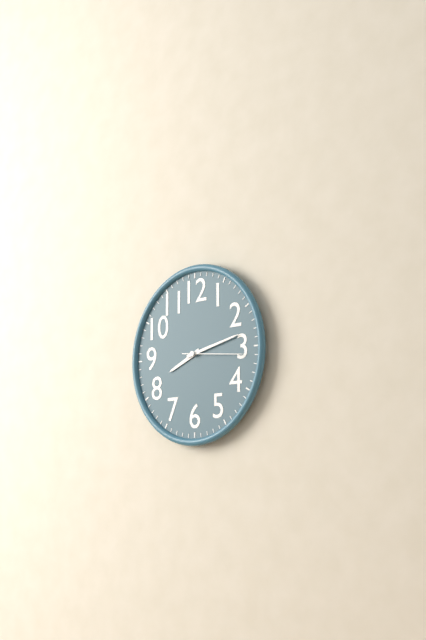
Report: {"hour": 8, "minute": 13, "second": 16}
